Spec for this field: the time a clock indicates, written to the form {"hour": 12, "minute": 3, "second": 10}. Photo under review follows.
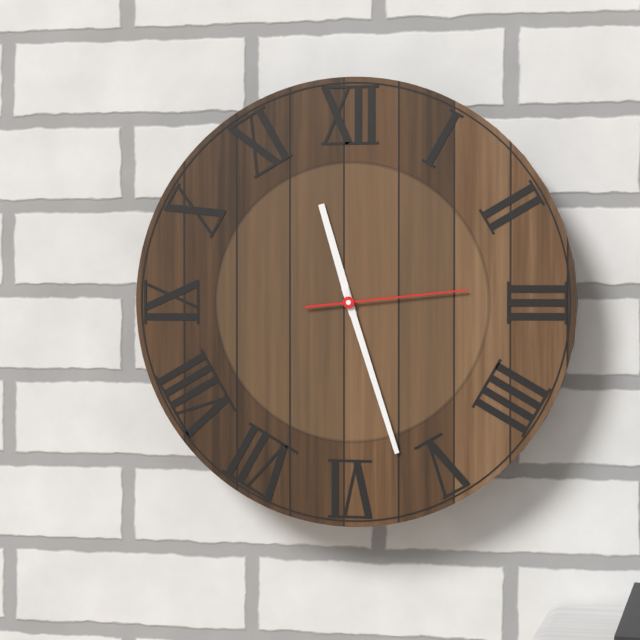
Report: {"hour": 11, "minute": 27, "second": 14}
